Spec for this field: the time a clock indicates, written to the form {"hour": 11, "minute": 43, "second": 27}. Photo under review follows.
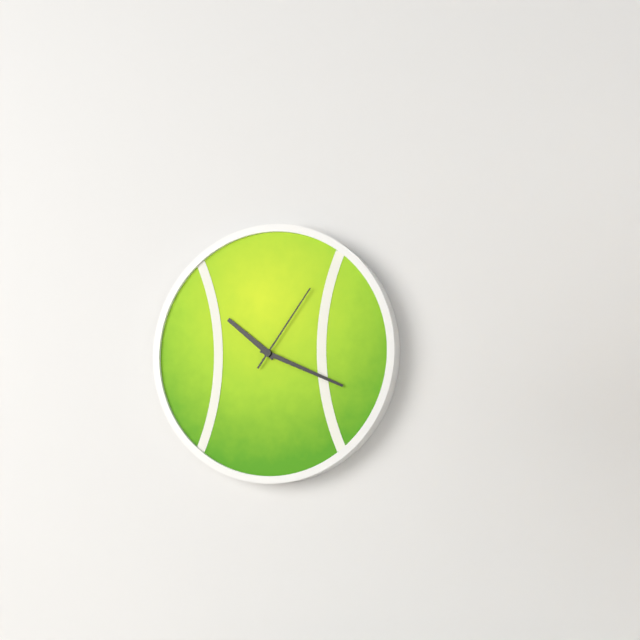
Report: {"hour": 10, "minute": 19, "second": 6}
